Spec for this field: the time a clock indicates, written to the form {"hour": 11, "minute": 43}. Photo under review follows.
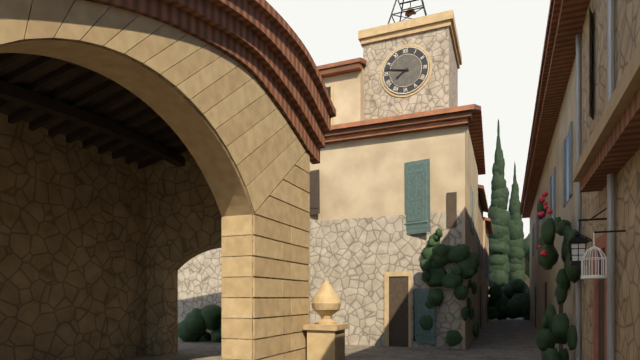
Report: {"hour": 7, "minute": 47}
